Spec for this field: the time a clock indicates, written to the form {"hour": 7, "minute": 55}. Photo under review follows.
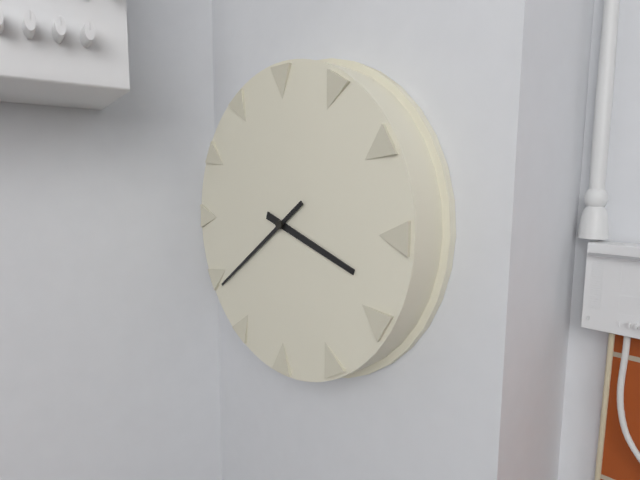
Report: {"hour": 3, "minute": 39}
